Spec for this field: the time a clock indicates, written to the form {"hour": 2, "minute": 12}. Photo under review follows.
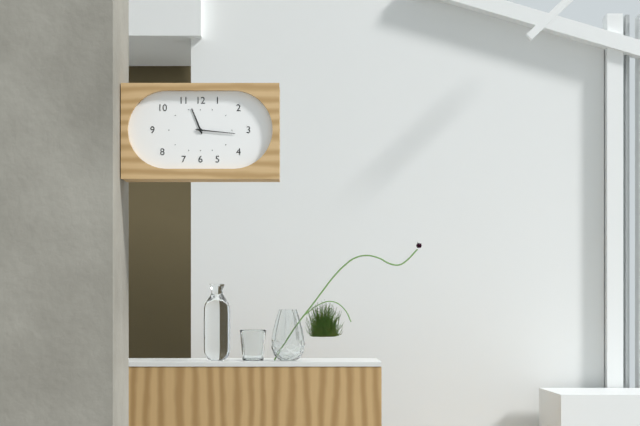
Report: {"hour": 11, "minute": 16}
